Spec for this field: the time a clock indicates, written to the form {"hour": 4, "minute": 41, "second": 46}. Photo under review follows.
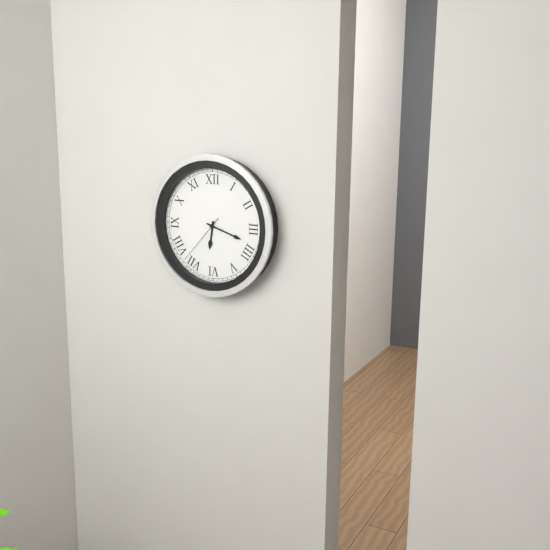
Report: {"hour": 6, "minute": 18, "second": 37}
